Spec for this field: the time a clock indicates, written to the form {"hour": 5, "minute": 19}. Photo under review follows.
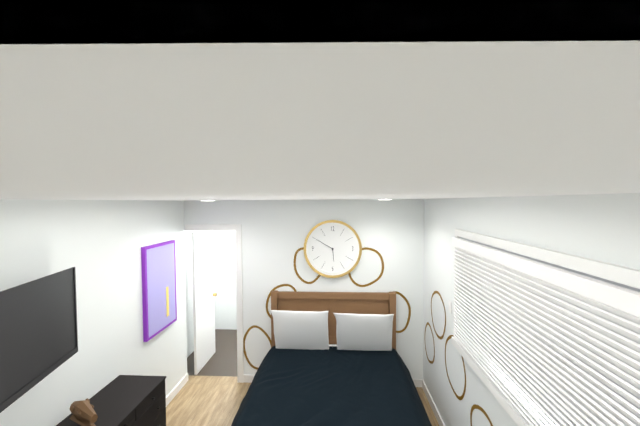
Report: {"hour": 5, "minute": 50}
